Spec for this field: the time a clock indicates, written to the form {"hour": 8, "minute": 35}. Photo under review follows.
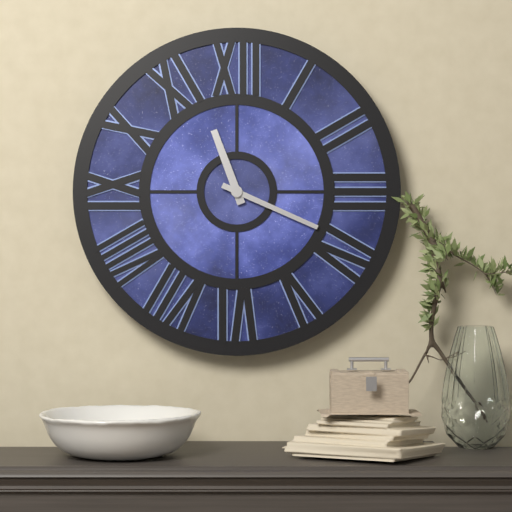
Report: {"hour": 11, "minute": 19}
